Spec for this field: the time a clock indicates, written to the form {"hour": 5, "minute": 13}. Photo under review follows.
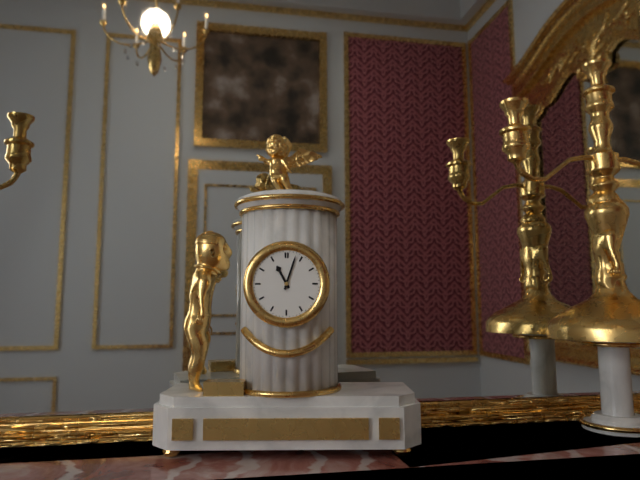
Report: {"hour": 11, "minute": 3}
